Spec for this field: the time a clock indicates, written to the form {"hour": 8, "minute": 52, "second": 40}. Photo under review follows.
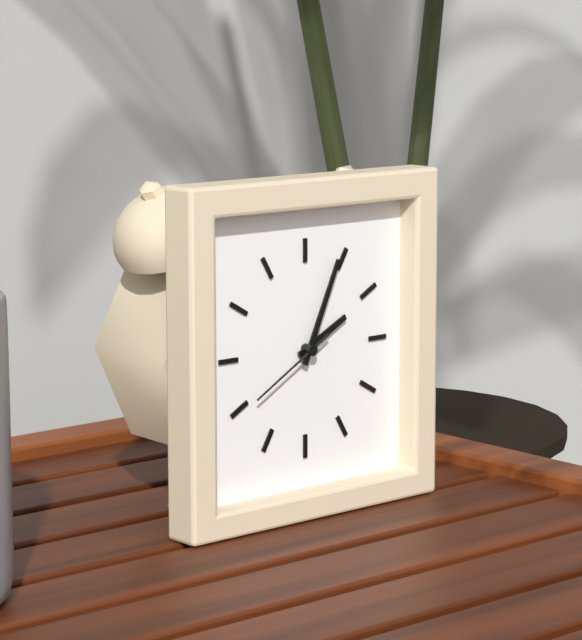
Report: {"hour": 2, "minute": 4, "second": 40}
